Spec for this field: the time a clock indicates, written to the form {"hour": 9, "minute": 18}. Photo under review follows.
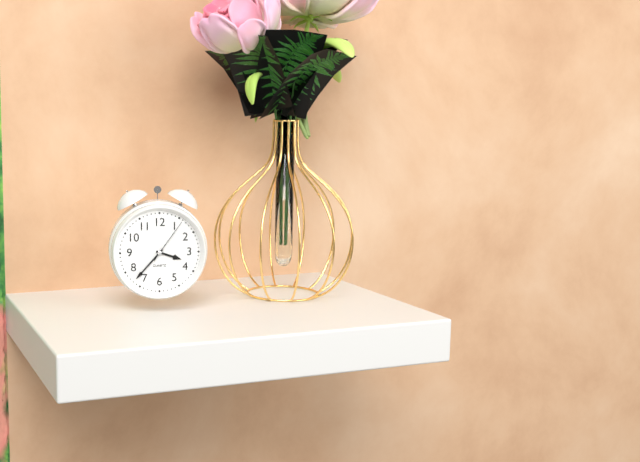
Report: {"hour": 3, "minute": 37}
